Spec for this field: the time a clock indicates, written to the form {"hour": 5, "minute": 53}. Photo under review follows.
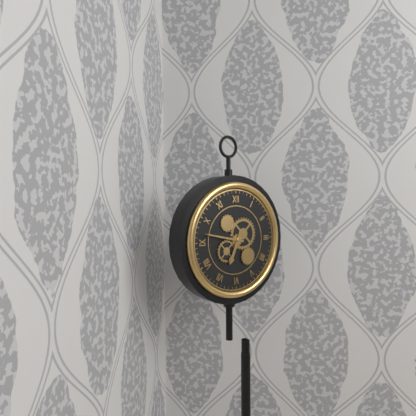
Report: {"hour": 6, "minute": 47}
